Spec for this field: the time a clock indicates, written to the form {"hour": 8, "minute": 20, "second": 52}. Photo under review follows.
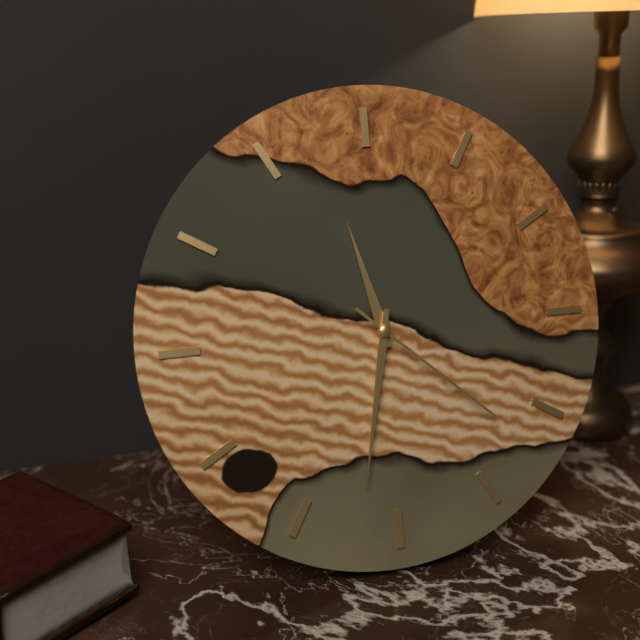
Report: {"hour": 11, "minute": 32, "second": 22}
